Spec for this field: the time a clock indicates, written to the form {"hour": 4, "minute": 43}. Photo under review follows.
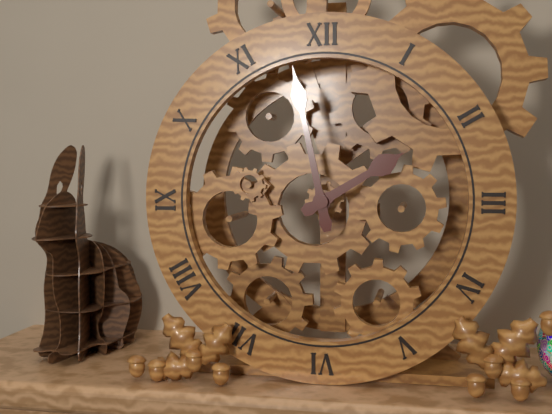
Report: {"hour": 1, "minute": 58}
